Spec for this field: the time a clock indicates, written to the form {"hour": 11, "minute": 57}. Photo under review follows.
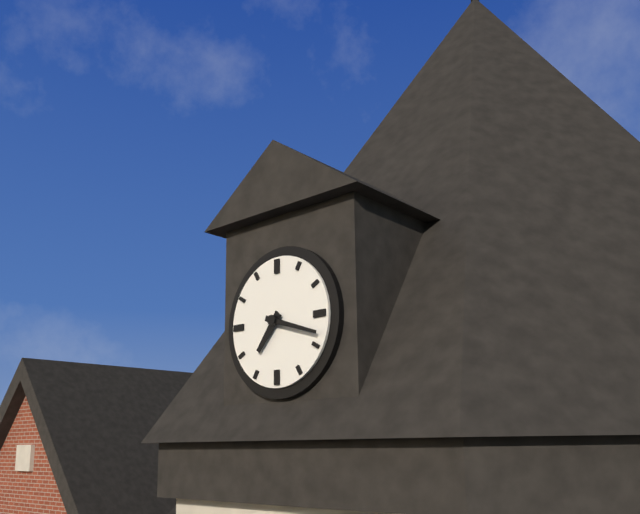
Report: {"hour": 7, "minute": 18}
